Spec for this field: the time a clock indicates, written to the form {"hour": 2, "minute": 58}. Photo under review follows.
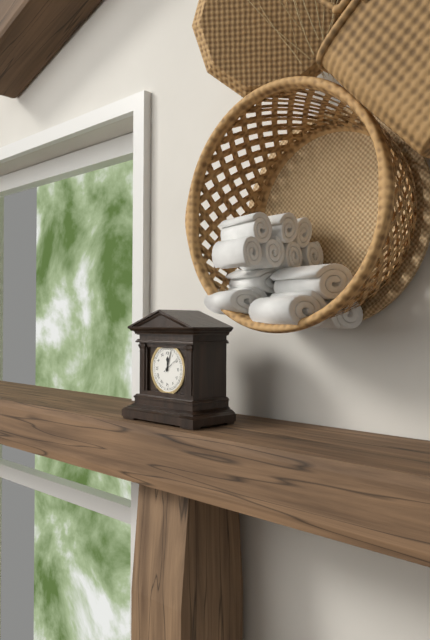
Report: {"hour": 12, "minute": 3}
